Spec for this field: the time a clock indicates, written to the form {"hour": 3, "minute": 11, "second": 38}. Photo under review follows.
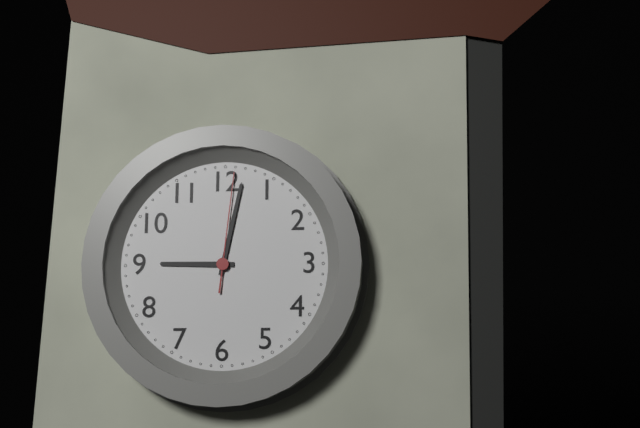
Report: {"hour": 9, "minute": 2, "second": 1}
